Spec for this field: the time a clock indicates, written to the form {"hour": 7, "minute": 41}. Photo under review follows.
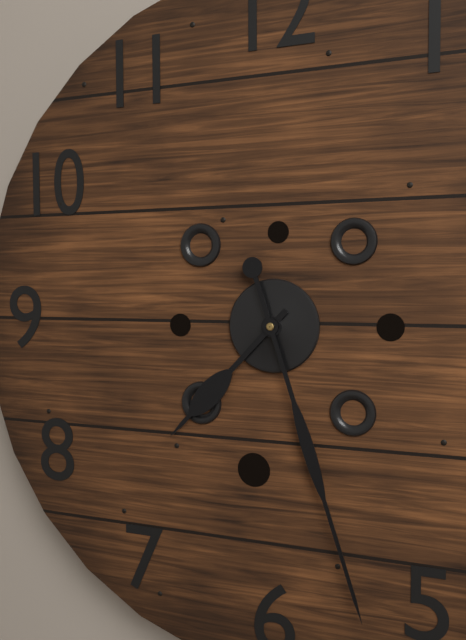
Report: {"hour": 7, "minute": 27}
